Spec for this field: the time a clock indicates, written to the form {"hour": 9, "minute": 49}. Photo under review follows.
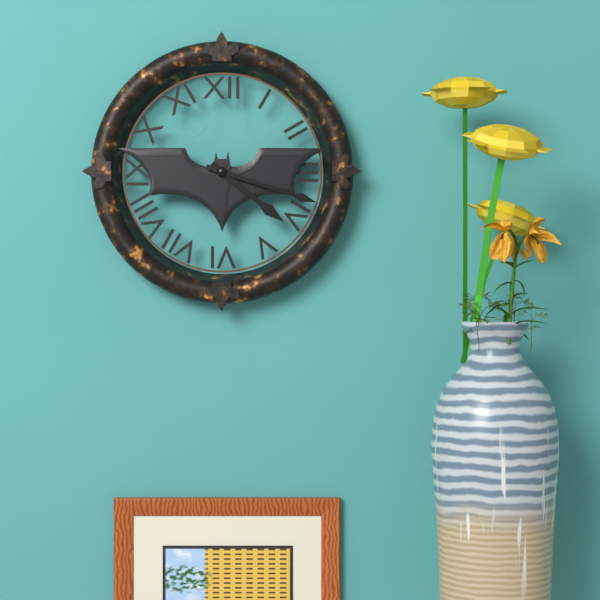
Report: {"hour": 4, "minute": 18}
